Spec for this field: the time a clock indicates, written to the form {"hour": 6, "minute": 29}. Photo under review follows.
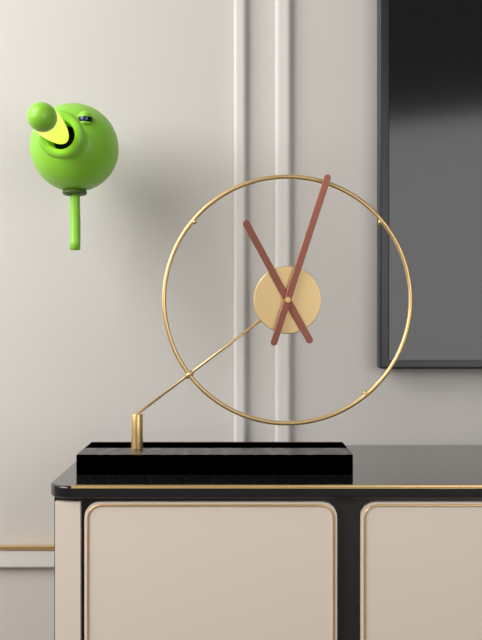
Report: {"hour": 11, "minute": 3}
